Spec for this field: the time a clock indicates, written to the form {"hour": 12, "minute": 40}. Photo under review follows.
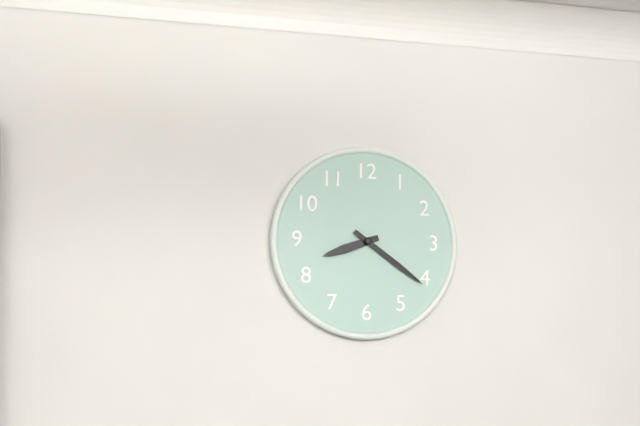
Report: {"hour": 8, "minute": 21}
